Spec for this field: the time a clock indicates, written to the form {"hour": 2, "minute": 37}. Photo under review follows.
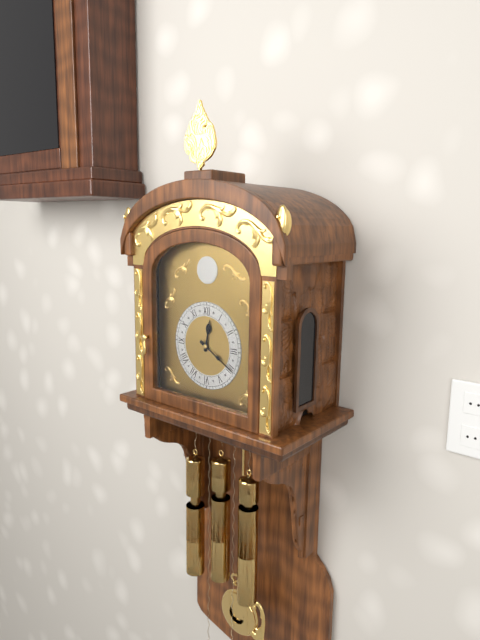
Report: {"hour": 12, "minute": 20}
